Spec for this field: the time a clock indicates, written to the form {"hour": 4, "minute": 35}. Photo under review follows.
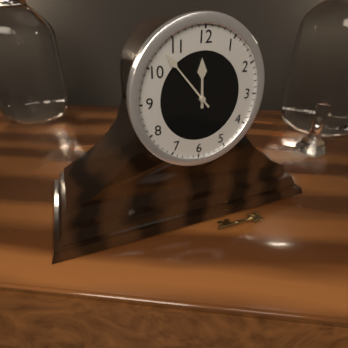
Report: {"hour": 11, "minute": 53}
